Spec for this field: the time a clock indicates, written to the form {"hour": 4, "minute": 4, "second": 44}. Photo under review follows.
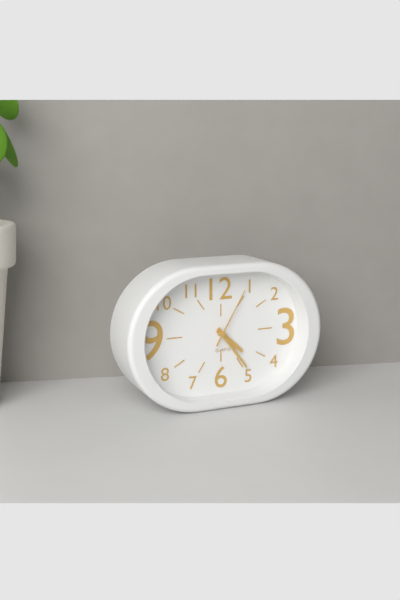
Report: {"hour": 4, "minute": 24, "second": 5}
